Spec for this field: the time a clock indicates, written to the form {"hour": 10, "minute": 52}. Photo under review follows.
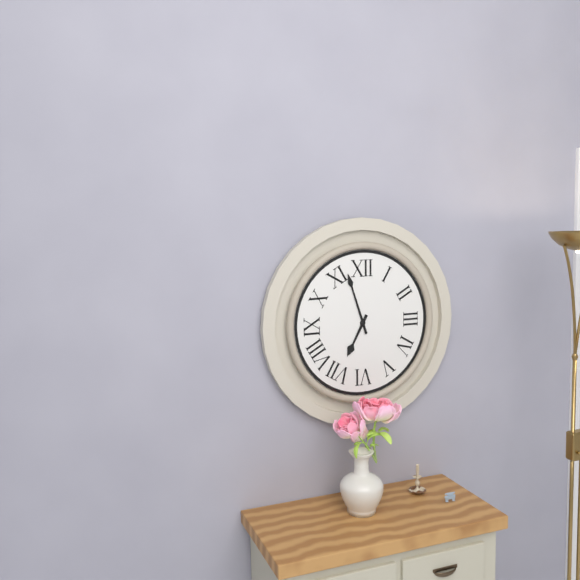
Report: {"hour": 6, "minute": 57}
